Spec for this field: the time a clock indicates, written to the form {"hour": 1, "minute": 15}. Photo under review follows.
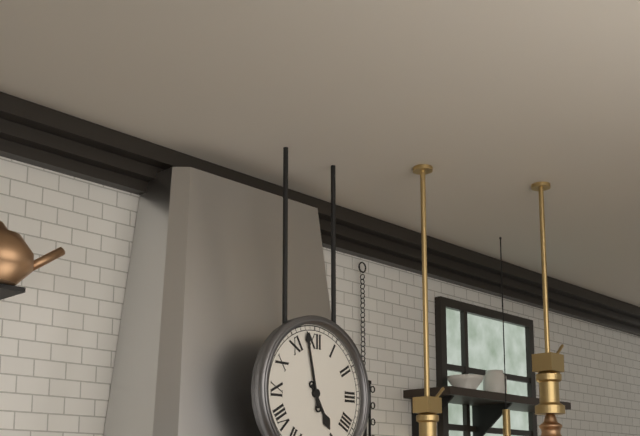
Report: {"hour": 4, "minute": 58}
